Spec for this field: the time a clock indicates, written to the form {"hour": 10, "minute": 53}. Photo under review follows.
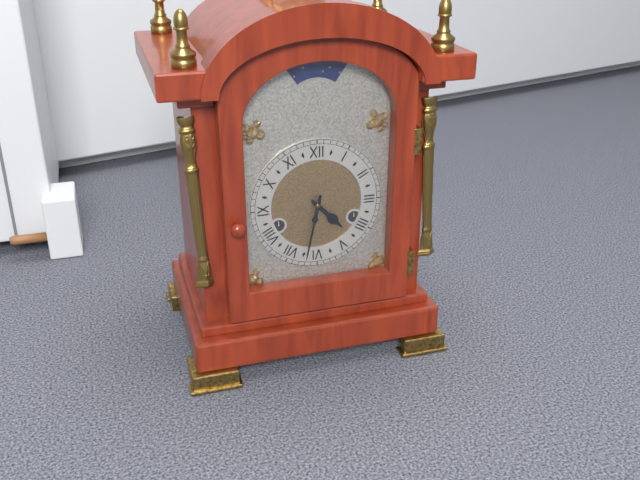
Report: {"hour": 4, "minute": 32}
